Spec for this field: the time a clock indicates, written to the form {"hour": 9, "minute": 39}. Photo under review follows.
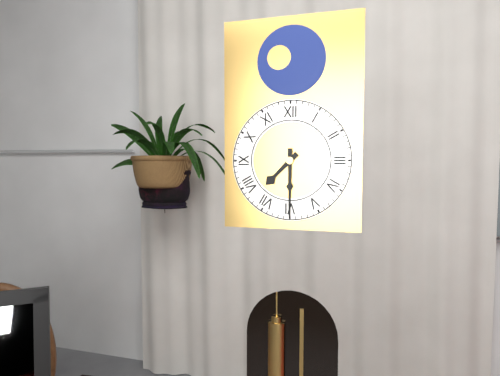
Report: {"hour": 7, "minute": 30}
